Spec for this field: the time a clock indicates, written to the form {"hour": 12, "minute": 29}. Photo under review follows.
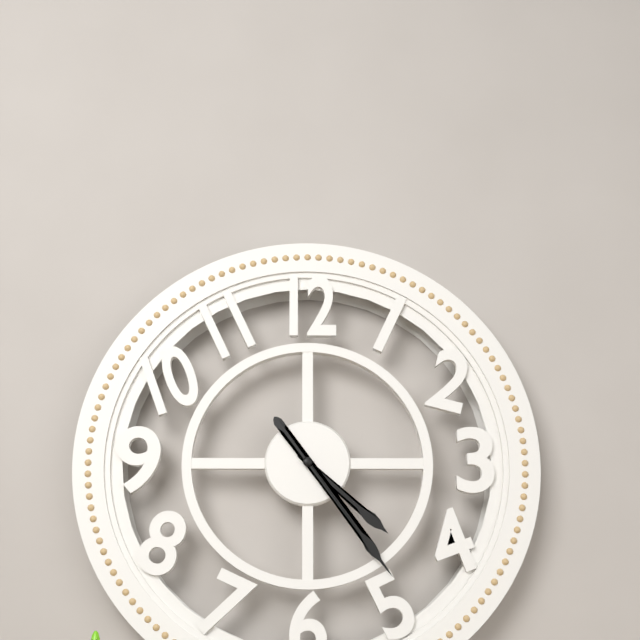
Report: {"hour": 4, "minute": 24}
